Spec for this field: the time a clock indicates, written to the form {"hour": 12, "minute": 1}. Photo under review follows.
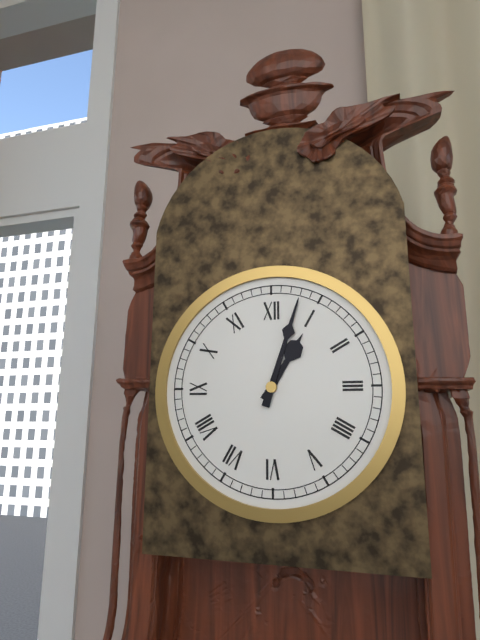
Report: {"hour": 1, "minute": 3}
